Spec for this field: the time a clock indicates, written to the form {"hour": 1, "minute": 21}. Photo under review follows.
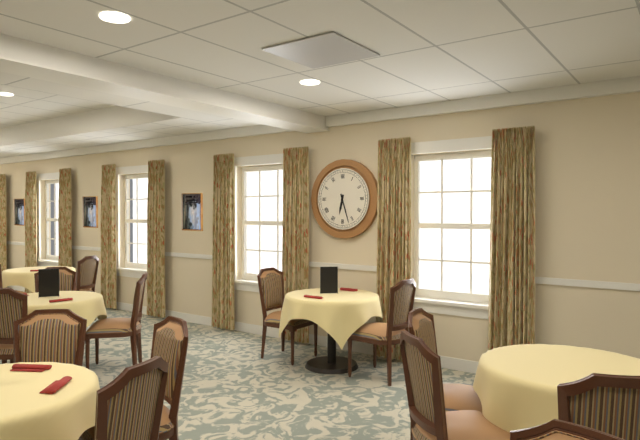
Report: {"hour": 6, "minute": 27}
